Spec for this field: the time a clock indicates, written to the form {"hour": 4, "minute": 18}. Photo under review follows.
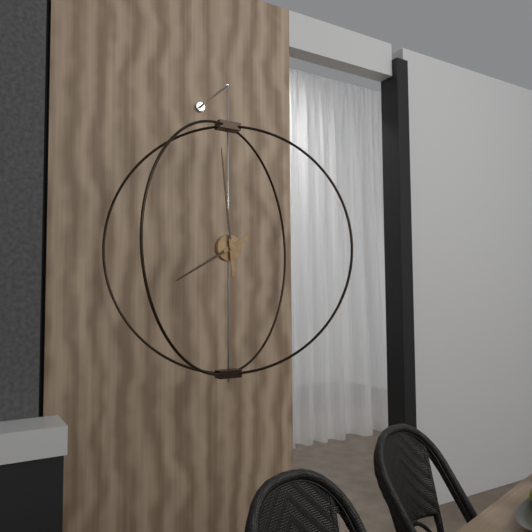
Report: {"hour": 7, "minute": 59}
